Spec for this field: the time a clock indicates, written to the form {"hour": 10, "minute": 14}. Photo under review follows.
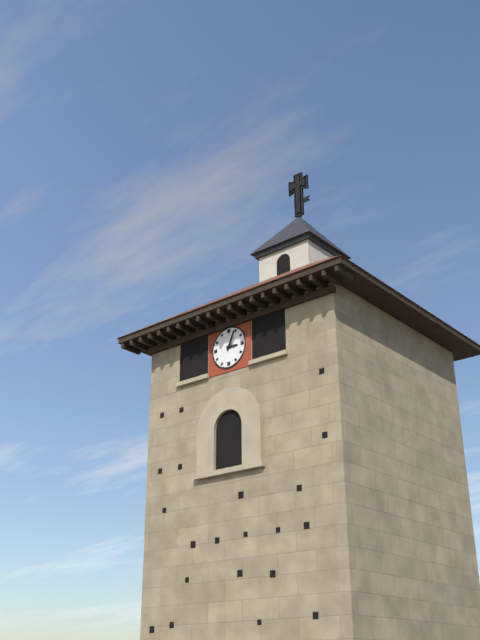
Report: {"hour": 3, "minute": 4}
